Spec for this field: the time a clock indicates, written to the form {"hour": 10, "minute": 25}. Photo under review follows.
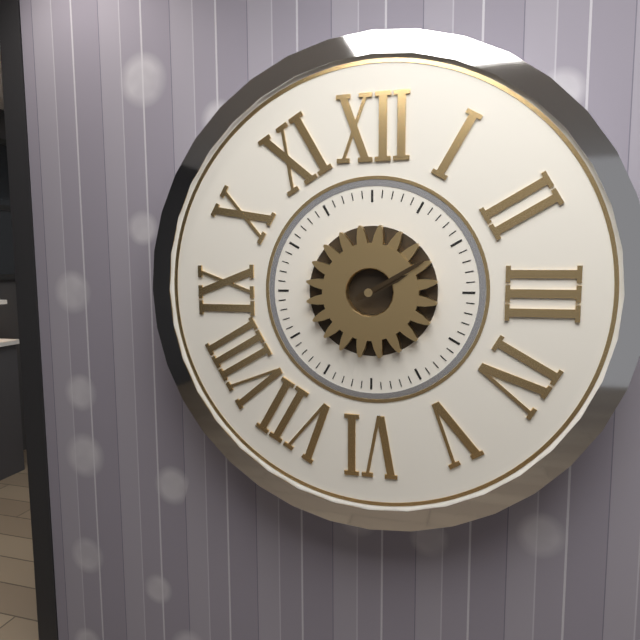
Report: {"hour": 2, "minute": 10}
